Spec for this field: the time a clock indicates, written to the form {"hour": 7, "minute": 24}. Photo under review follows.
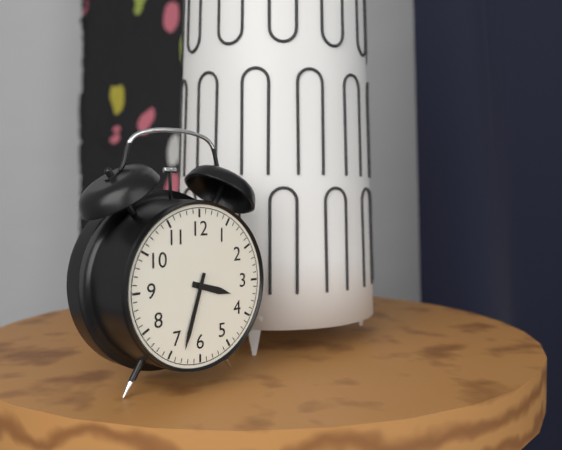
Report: {"hour": 3, "minute": 33}
